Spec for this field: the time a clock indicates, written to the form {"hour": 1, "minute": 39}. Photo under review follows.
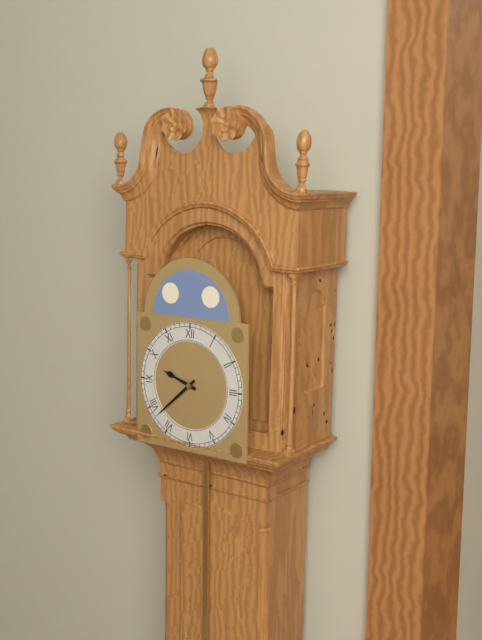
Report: {"hour": 9, "minute": 38}
